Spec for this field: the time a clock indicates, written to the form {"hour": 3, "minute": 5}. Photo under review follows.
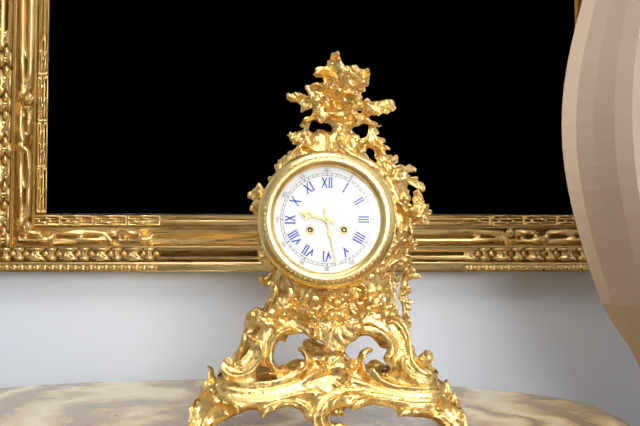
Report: {"hour": 9, "minute": 28}
